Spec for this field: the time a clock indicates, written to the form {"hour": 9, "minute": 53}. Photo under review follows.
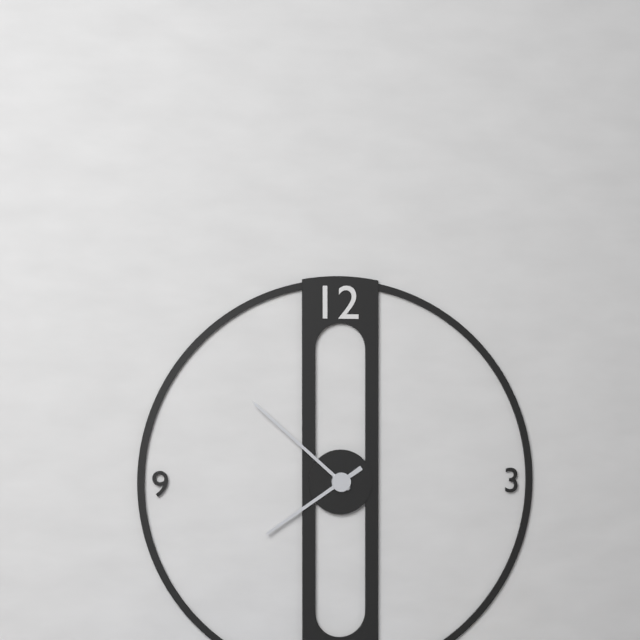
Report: {"hour": 7, "minute": 52}
